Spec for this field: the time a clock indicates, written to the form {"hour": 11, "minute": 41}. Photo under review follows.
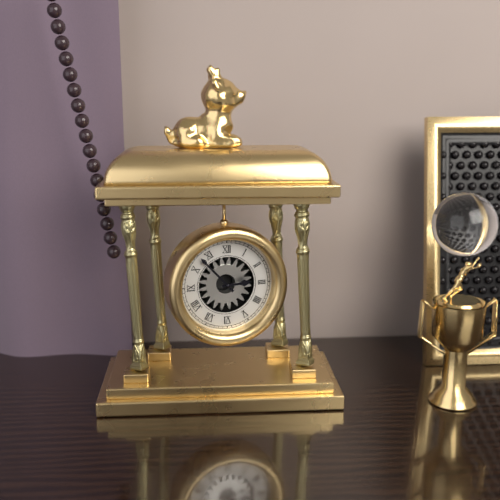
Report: {"hour": 2, "minute": 53}
